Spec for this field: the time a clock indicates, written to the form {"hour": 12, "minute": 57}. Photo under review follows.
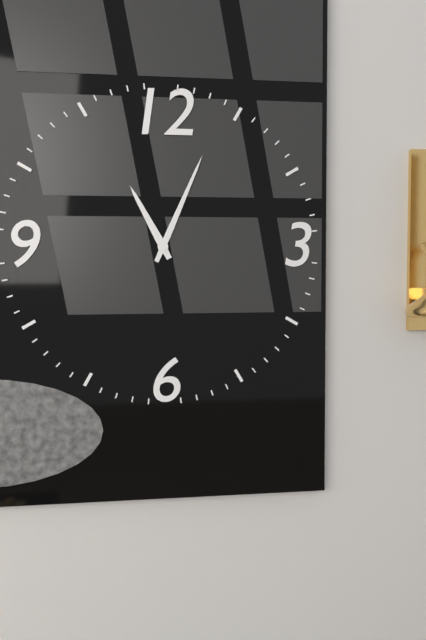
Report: {"hour": 11, "minute": 4}
